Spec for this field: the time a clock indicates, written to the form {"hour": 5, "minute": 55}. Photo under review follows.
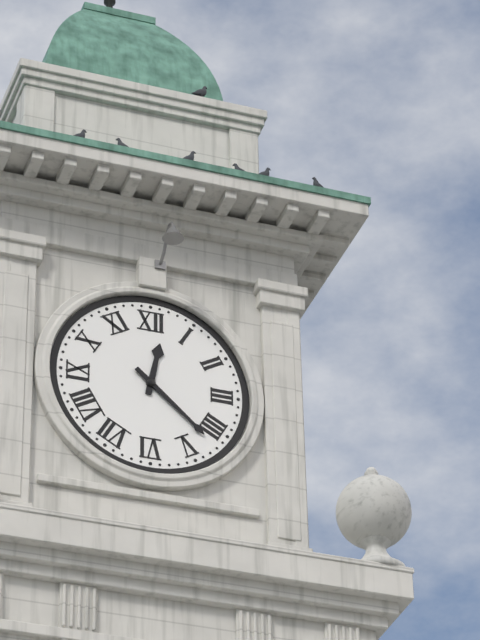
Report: {"hour": 12, "minute": 22}
